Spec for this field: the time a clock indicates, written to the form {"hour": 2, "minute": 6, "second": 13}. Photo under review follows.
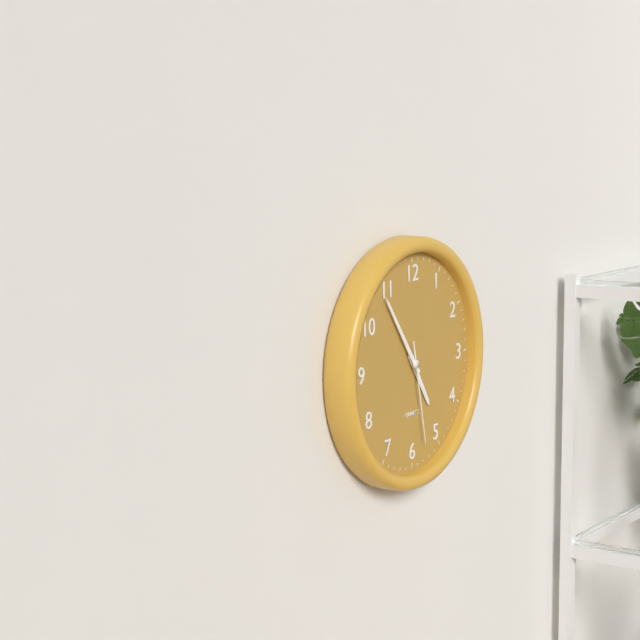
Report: {"hour": 4, "minute": 54, "second": 28}
